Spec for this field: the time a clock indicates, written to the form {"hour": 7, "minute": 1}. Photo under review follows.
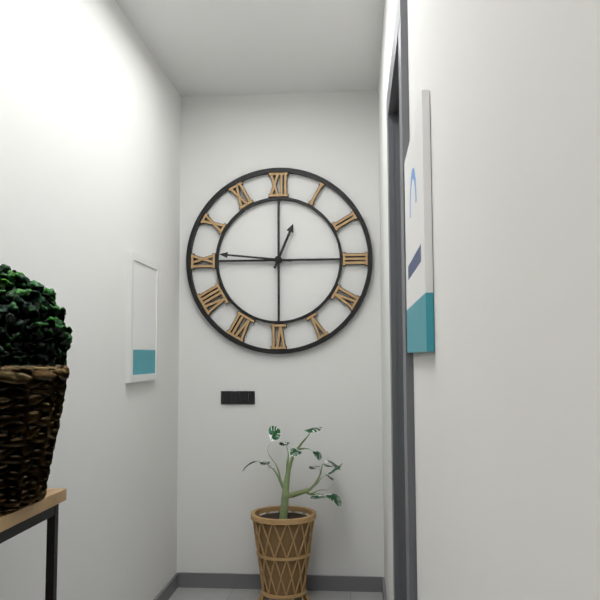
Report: {"hour": 12, "minute": 46}
